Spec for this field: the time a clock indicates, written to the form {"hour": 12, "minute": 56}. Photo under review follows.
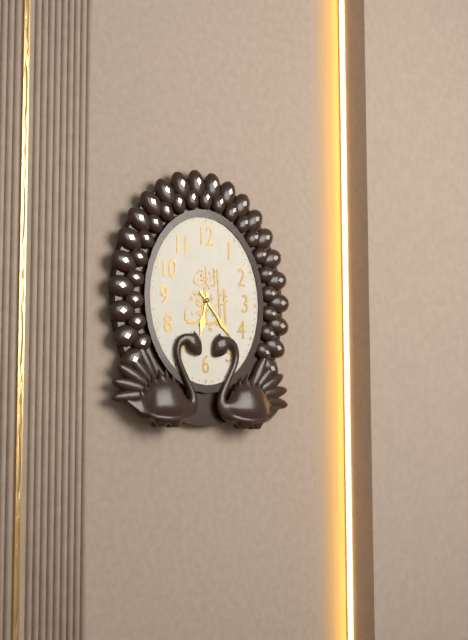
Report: {"hour": 6, "minute": 23}
